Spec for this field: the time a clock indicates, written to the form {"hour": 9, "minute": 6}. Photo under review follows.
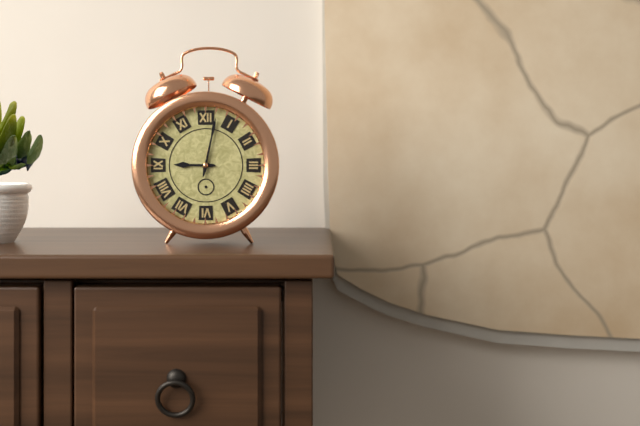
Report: {"hour": 9, "minute": 2}
